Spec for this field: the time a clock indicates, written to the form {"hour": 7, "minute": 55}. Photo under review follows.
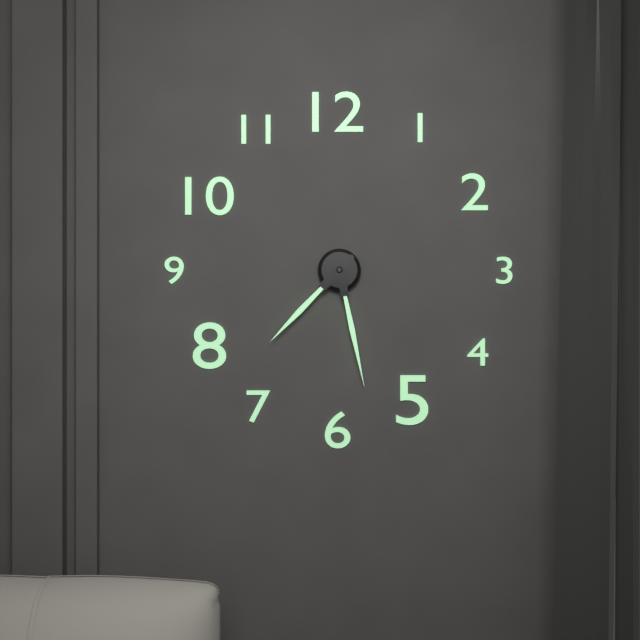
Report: {"hour": 7, "minute": 28}
